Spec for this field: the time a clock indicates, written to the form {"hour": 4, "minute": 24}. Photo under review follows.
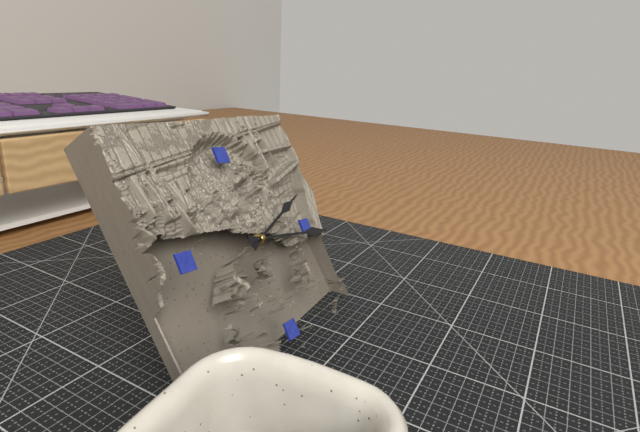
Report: {"hour": 2, "minute": 16}
